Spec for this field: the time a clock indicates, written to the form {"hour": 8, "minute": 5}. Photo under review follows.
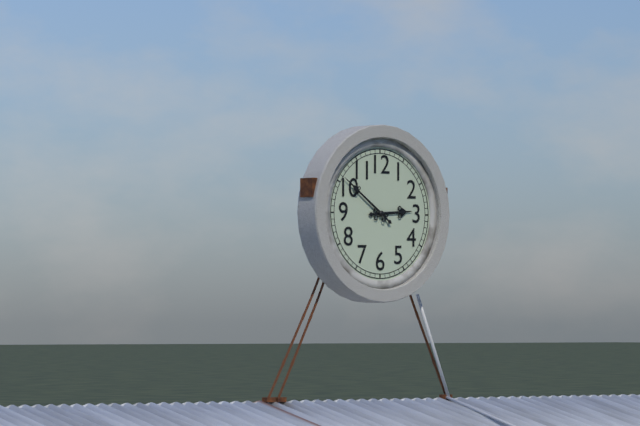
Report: {"hour": 2, "minute": 51}
